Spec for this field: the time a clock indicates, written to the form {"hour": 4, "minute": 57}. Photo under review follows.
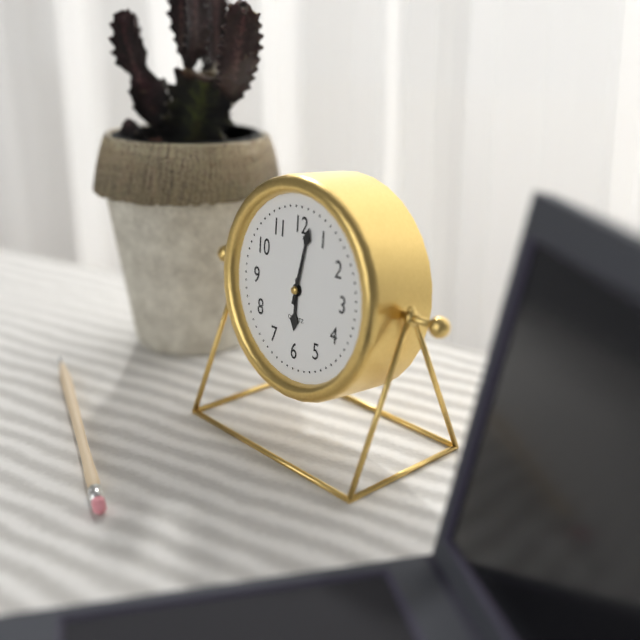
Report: {"hour": 6, "minute": 2}
